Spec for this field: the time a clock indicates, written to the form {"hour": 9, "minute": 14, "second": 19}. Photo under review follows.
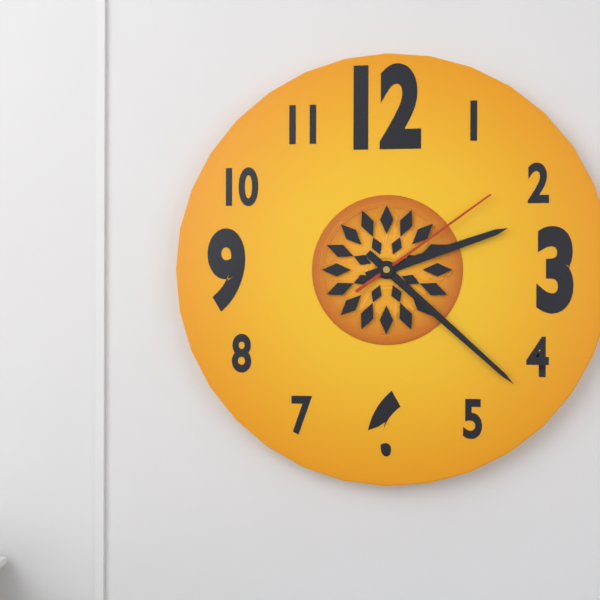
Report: {"hour": 2, "minute": 22, "second": 9}
